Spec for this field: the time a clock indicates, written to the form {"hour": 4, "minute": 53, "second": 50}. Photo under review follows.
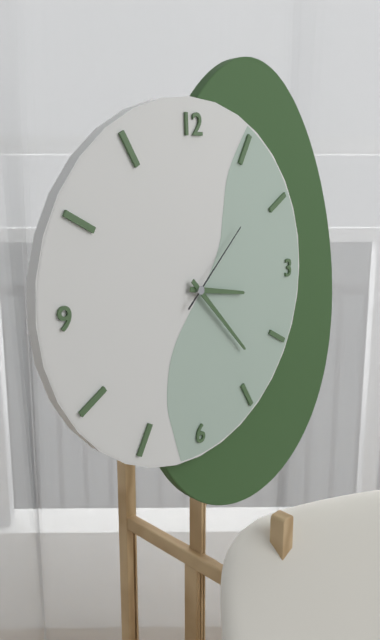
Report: {"hour": 3, "minute": 23, "second": 8}
